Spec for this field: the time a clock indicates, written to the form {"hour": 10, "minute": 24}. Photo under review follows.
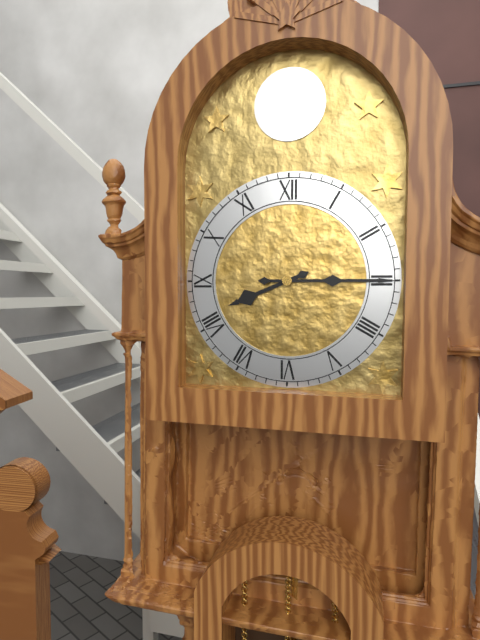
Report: {"hour": 8, "minute": 15}
